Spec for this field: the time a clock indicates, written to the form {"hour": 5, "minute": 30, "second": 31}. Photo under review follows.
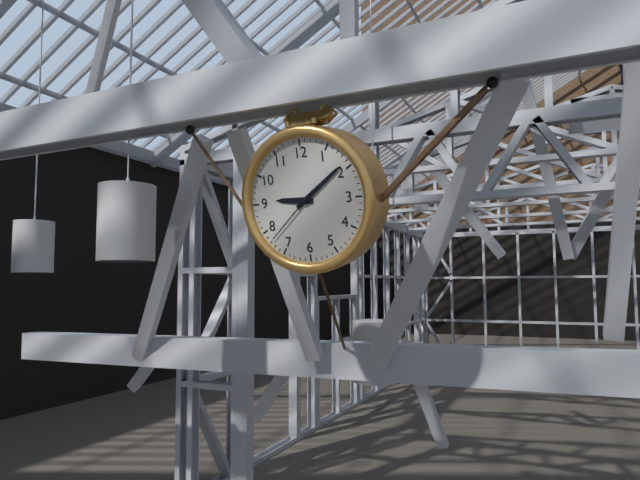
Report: {"hour": 9, "minute": 9, "second": 38}
